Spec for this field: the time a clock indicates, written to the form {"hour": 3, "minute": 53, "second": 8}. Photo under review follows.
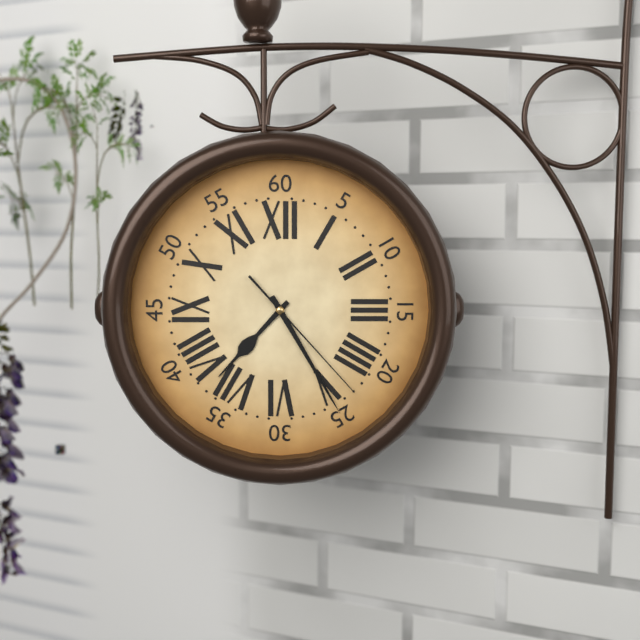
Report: {"hour": 7, "minute": 25, "second": 23}
